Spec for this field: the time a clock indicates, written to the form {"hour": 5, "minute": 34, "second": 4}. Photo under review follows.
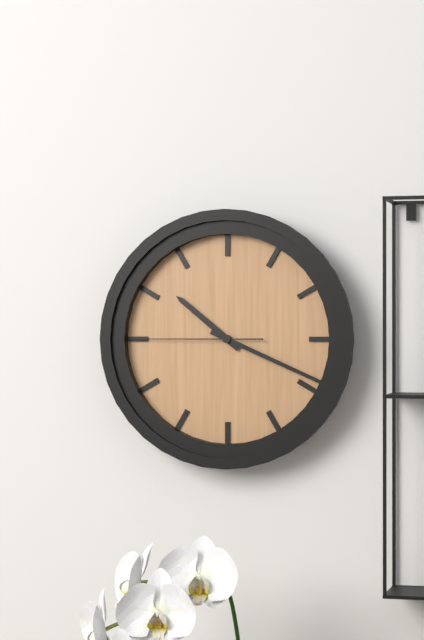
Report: {"hour": 10, "minute": 19, "second": 45}
